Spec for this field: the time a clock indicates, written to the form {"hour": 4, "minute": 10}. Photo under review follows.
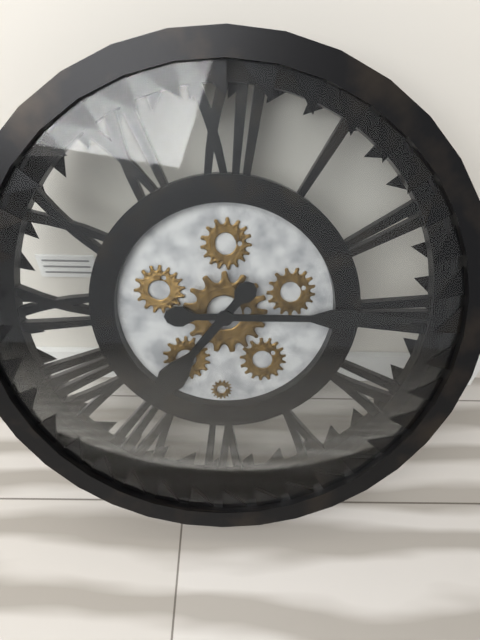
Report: {"hour": 7, "minute": 15}
